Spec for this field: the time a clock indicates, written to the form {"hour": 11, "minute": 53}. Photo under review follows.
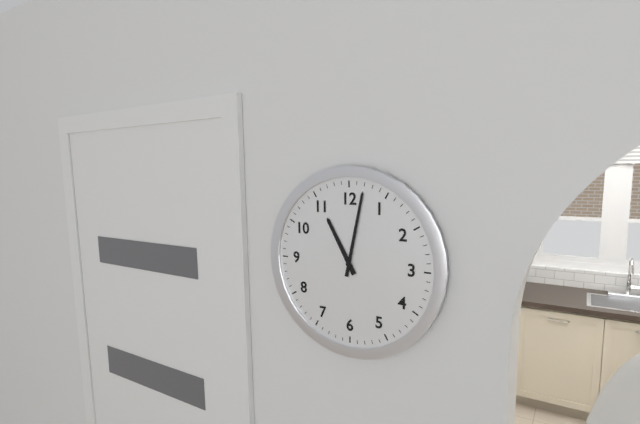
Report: {"hour": 11, "minute": 2}
